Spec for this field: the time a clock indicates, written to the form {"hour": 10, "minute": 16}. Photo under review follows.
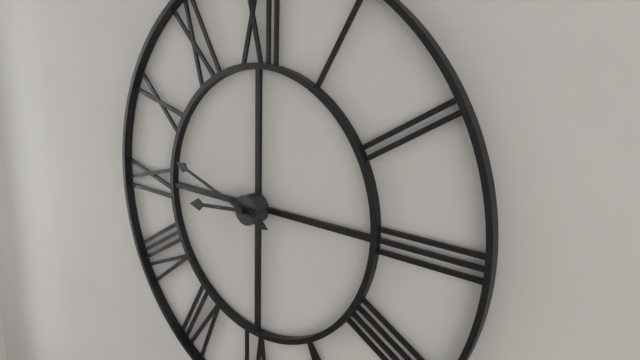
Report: {"hour": 8, "minute": 48}
